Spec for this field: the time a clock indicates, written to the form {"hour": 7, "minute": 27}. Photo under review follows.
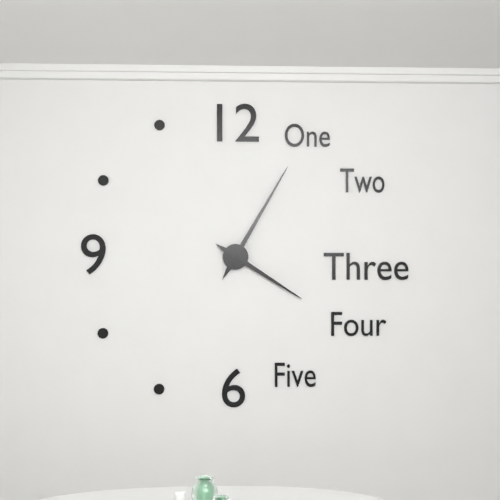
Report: {"hour": 4, "minute": 5}
